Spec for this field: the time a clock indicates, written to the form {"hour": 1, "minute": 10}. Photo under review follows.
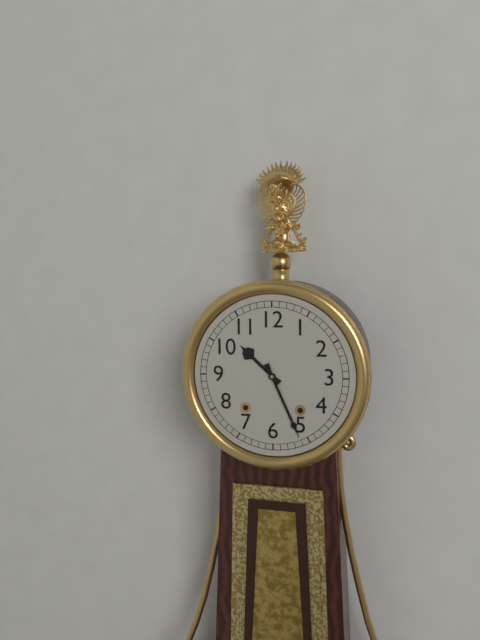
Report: {"hour": 10, "minute": 26}
